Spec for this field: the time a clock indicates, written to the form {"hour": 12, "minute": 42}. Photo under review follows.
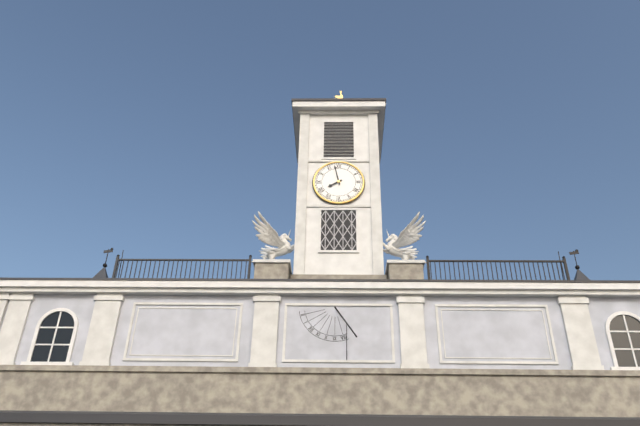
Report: {"hour": 7, "minute": 58}
